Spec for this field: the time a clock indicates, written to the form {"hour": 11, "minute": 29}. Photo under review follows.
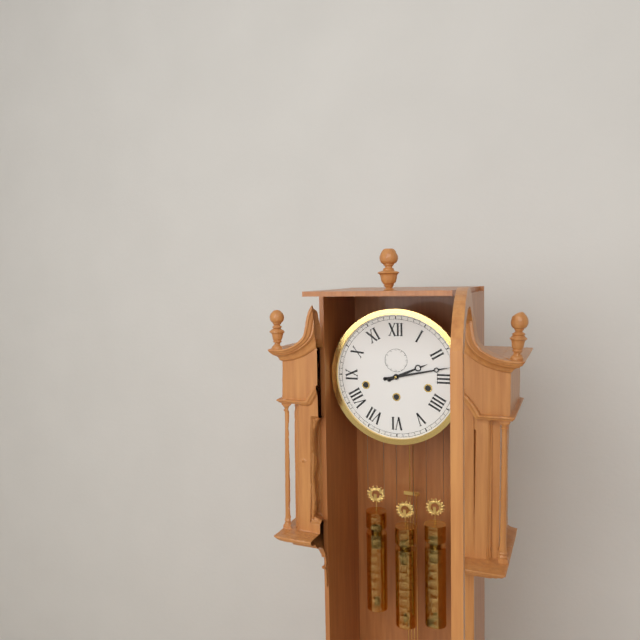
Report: {"hour": 2, "minute": 13}
